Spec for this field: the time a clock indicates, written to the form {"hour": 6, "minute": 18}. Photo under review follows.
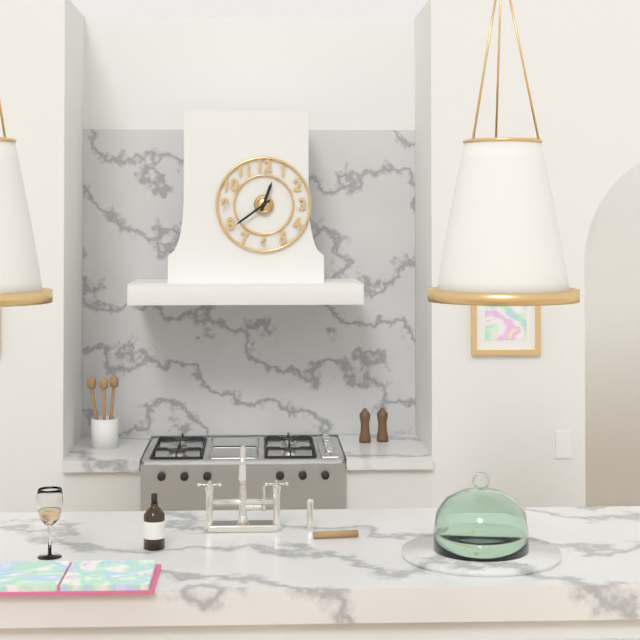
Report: {"hour": 12, "minute": 39}
